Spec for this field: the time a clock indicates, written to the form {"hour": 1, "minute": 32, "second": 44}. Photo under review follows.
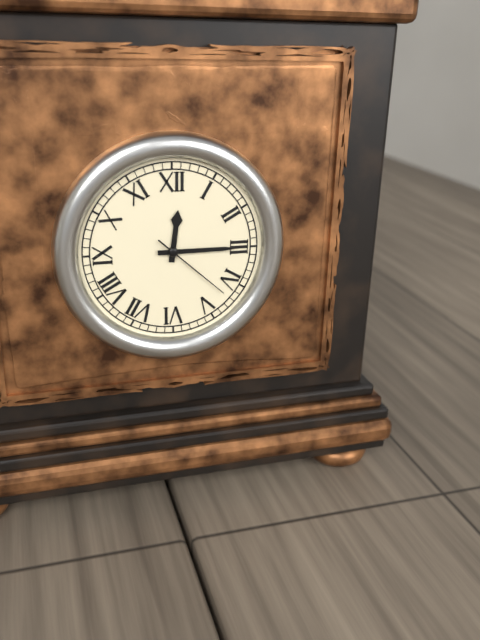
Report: {"hour": 12, "minute": 15, "second": 22}
